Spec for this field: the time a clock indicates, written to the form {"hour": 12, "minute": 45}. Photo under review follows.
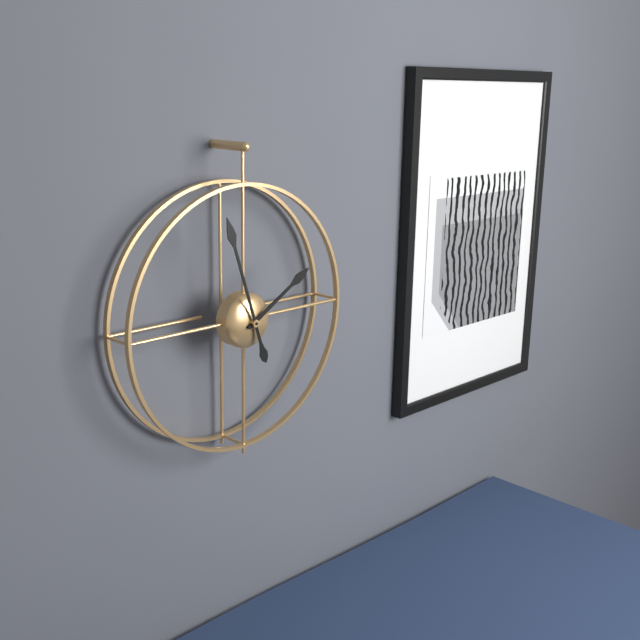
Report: {"hour": 1, "minute": 57}
